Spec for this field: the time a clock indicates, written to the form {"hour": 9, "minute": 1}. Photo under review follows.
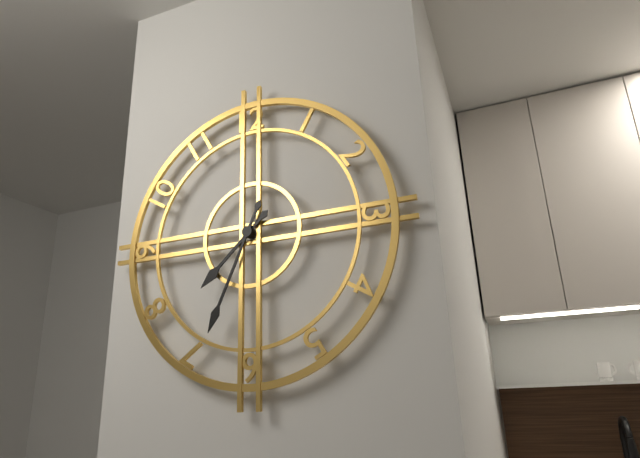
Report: {"hour": 7, "minute": 34}
